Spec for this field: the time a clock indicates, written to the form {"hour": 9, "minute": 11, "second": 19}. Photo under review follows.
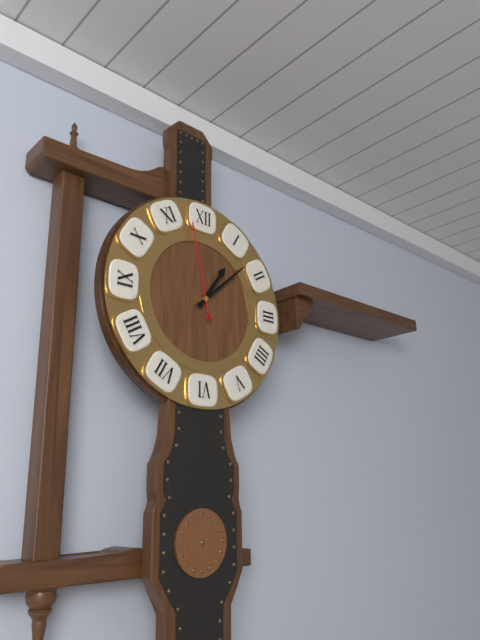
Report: {"hour": 1, "minute": 8, "second": 58}
